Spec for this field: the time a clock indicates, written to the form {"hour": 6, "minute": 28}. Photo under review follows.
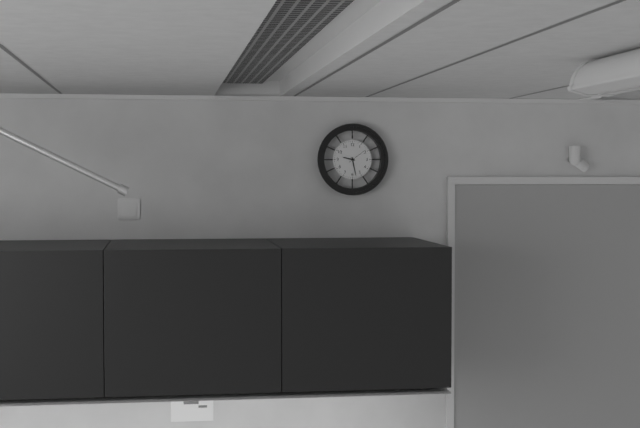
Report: {"hour": 9, "minute": 28}
